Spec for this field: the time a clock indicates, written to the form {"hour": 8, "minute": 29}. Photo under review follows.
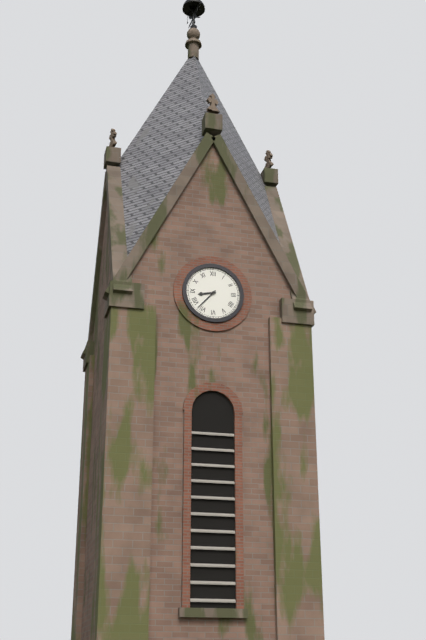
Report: {"hour": 8, "minute": 37}
